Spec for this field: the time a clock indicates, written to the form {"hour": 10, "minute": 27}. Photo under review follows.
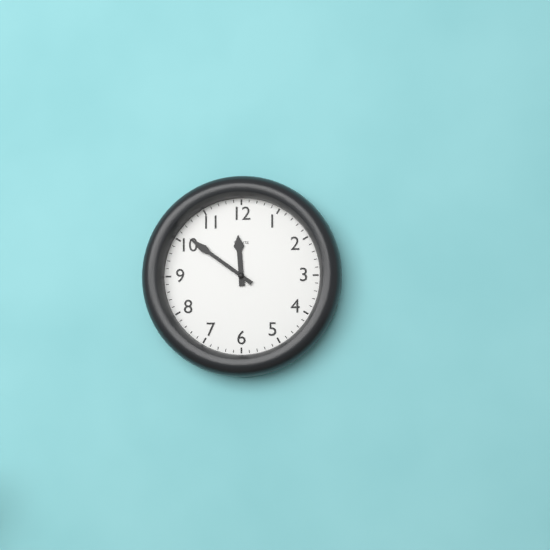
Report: {"hour": 11, "minute": 51}
